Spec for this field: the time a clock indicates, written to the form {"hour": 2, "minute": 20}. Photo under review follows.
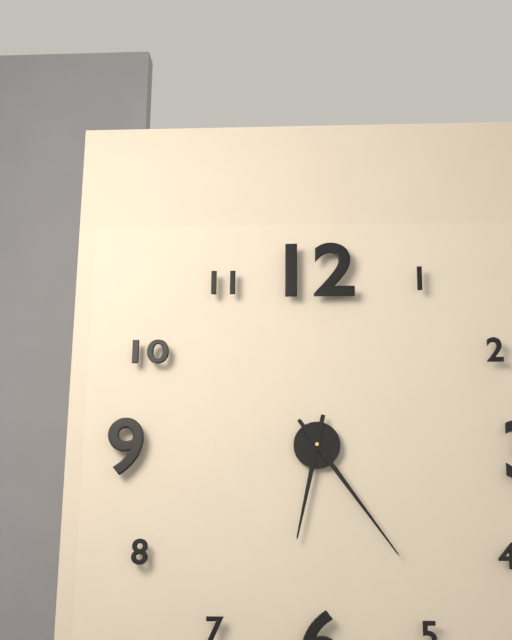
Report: {"hour": 6, "minute": 24}
